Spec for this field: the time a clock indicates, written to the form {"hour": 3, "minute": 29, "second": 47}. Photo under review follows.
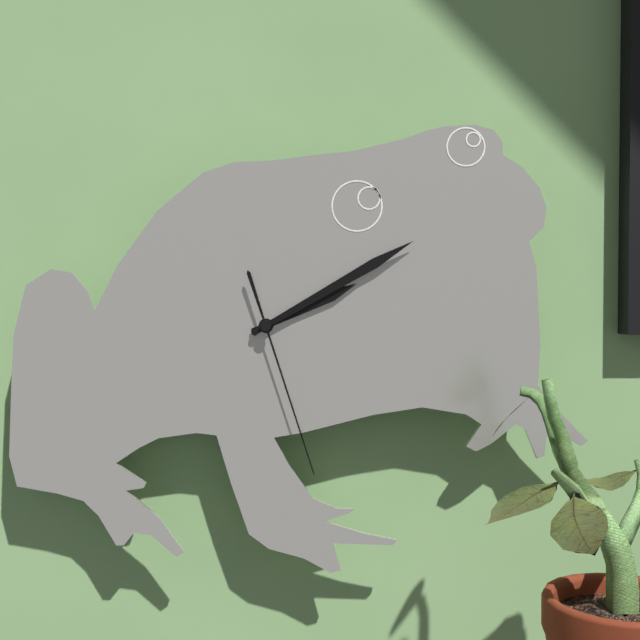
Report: {"hour": 2, "minute": 10, "second": 27}
